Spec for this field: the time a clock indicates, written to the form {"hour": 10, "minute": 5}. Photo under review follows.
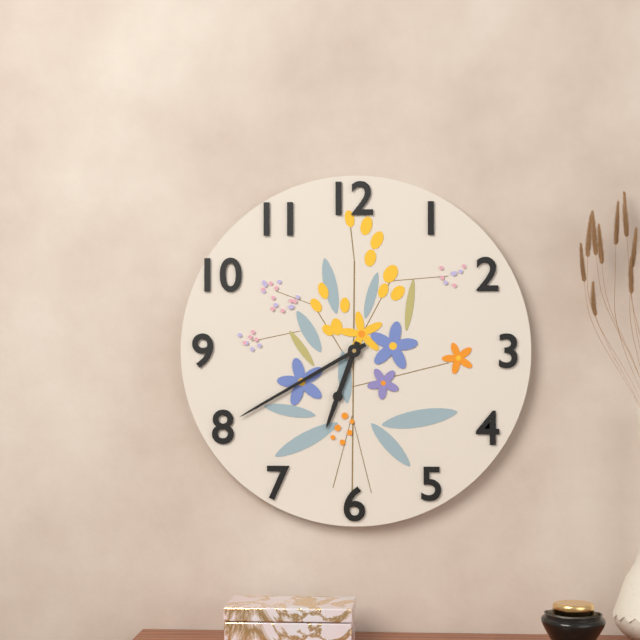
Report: {"hour": 6, "minute": 40}
